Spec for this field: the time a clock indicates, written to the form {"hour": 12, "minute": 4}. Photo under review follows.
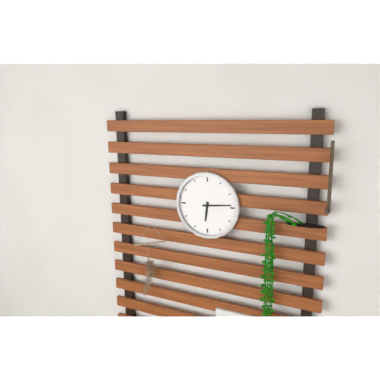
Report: {"hour": 6, "minute": 14}
